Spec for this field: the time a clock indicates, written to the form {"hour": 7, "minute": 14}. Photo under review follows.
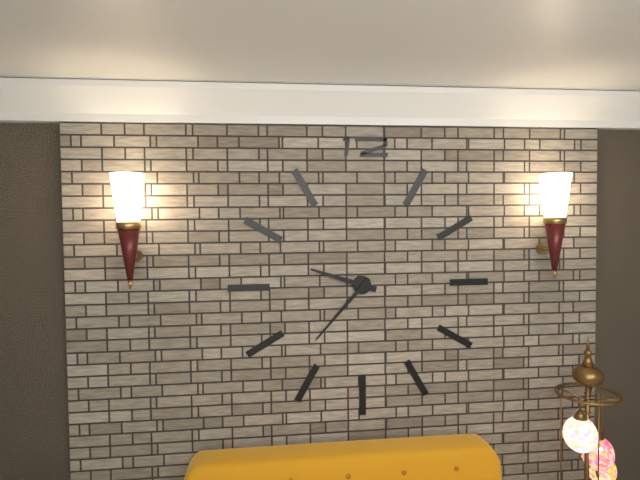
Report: {"hour": 9, "minute": 37}
